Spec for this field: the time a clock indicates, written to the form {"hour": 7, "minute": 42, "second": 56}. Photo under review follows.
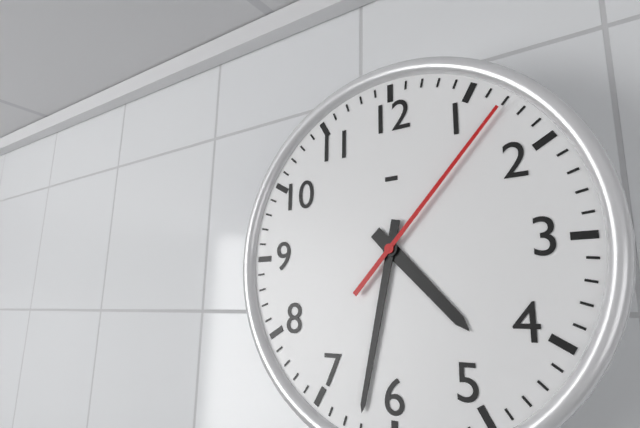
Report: {"hour": 4, "minute": 32, "second": 7}
